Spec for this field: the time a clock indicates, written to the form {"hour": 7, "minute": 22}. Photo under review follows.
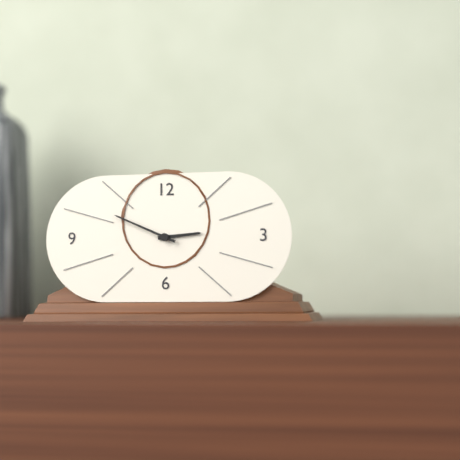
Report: {"hour": 2, "minute": 49}
